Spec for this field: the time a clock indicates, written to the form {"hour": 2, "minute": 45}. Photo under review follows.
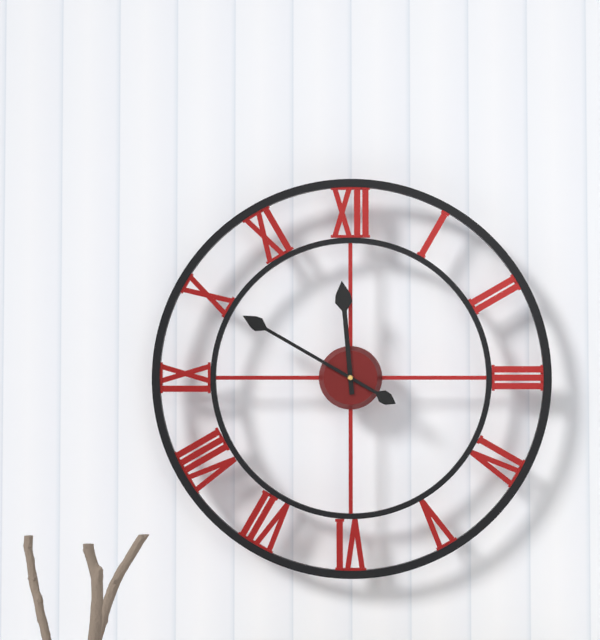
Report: {"hour": 11, "minute": 50}
